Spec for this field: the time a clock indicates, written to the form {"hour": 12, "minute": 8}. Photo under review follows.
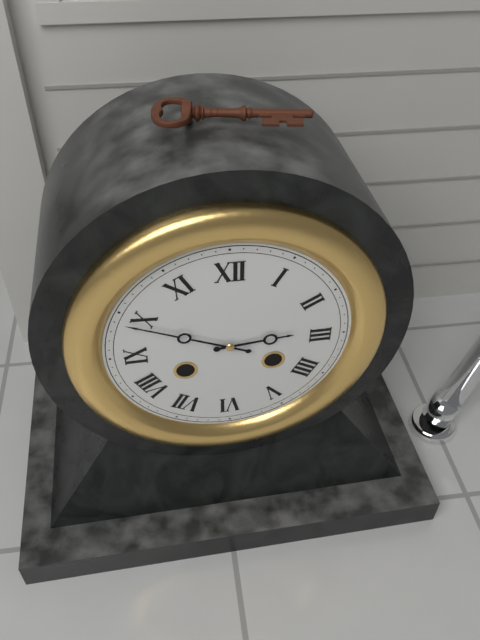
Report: {"hour": 2, "minute": 49}
